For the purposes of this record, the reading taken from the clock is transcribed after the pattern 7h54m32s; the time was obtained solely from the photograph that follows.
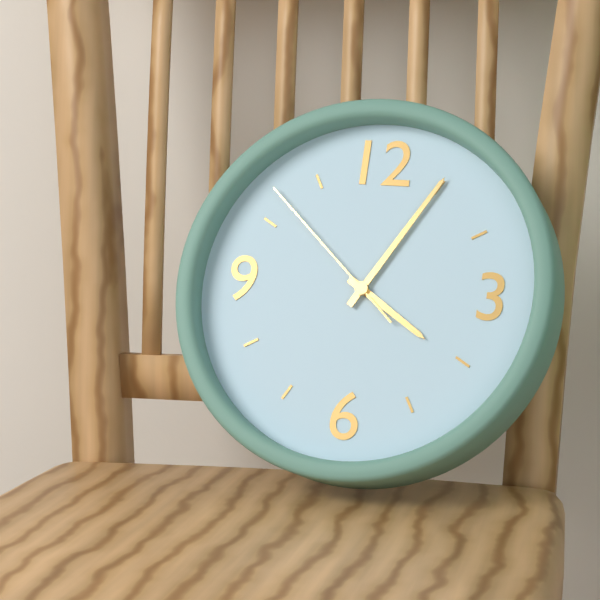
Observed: 4h05m52s
